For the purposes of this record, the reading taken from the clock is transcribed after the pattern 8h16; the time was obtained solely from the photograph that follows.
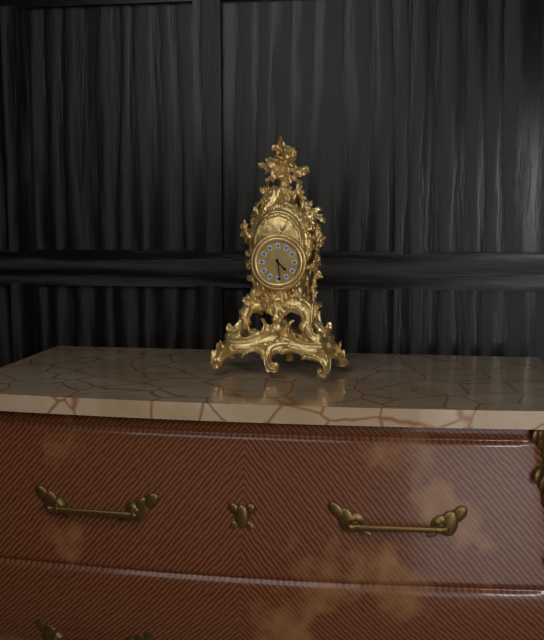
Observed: 4h29
